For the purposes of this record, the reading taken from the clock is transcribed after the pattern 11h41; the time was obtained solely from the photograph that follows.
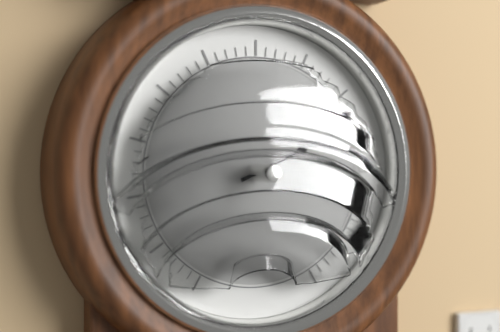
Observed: 2h11
